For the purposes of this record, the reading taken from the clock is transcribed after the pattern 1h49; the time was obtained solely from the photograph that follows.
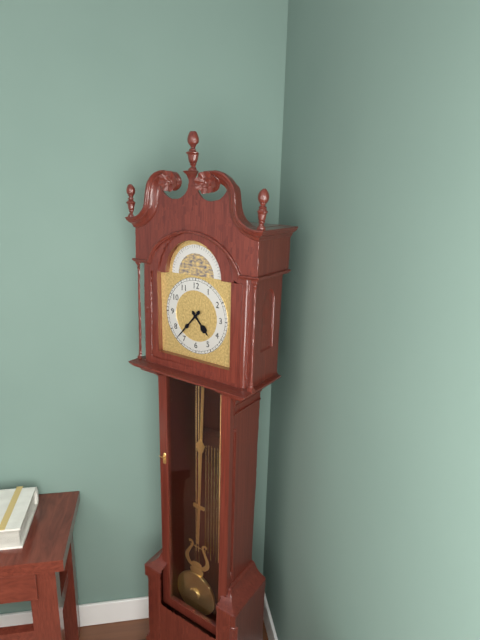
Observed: 4h37
